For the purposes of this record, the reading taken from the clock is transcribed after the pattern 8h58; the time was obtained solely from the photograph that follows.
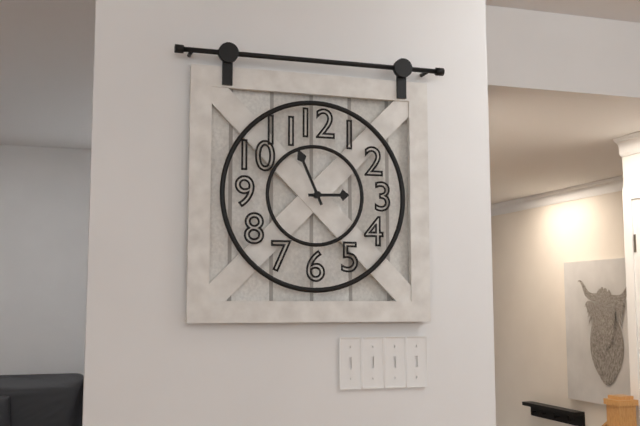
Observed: 2h56
